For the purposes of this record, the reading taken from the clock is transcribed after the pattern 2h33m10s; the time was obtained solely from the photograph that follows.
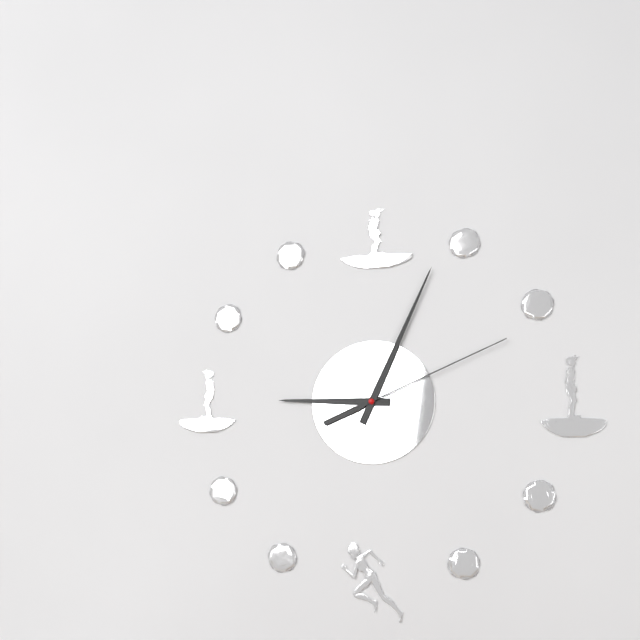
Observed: 9h04m11s
